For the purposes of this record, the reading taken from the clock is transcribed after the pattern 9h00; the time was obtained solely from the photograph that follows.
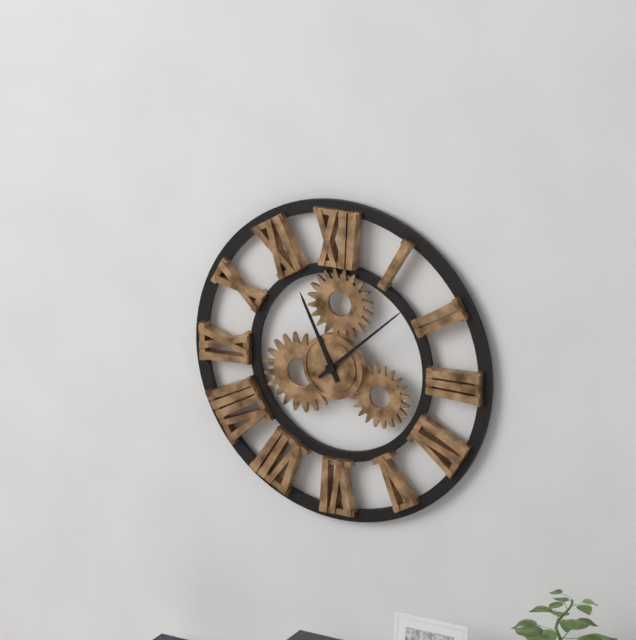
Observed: 11h08
